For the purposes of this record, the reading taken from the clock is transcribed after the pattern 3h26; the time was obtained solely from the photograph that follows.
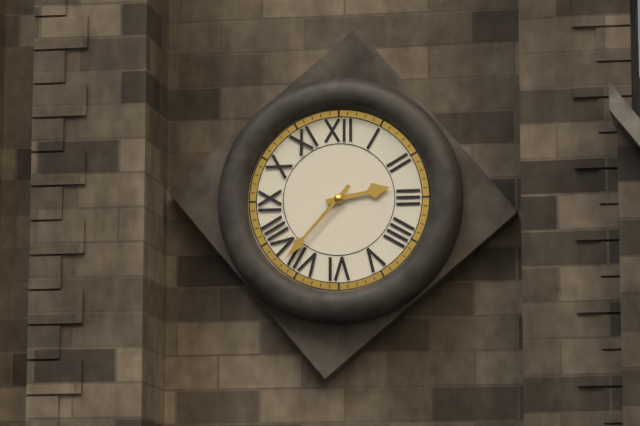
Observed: 2h37
